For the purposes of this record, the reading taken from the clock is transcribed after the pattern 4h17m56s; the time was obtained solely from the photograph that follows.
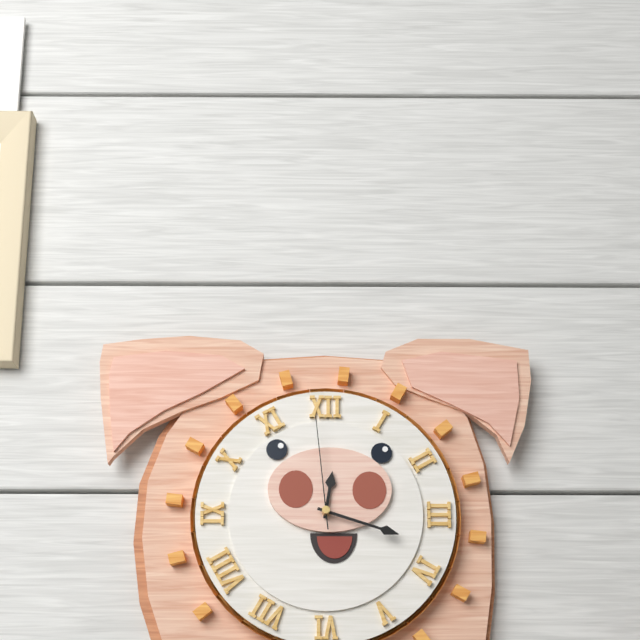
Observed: 12h18m59s
